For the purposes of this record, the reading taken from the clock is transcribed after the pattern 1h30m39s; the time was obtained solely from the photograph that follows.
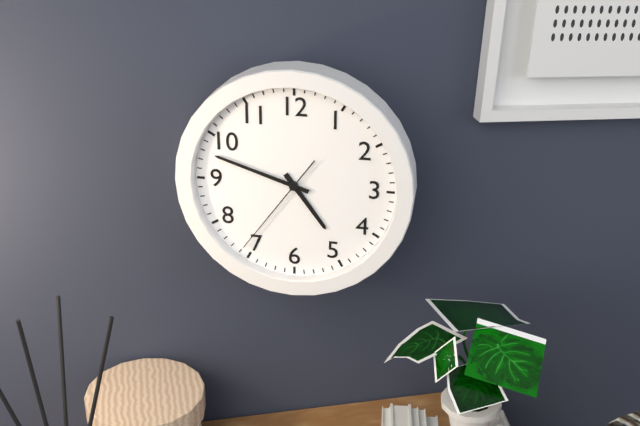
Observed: 4h48m36s
